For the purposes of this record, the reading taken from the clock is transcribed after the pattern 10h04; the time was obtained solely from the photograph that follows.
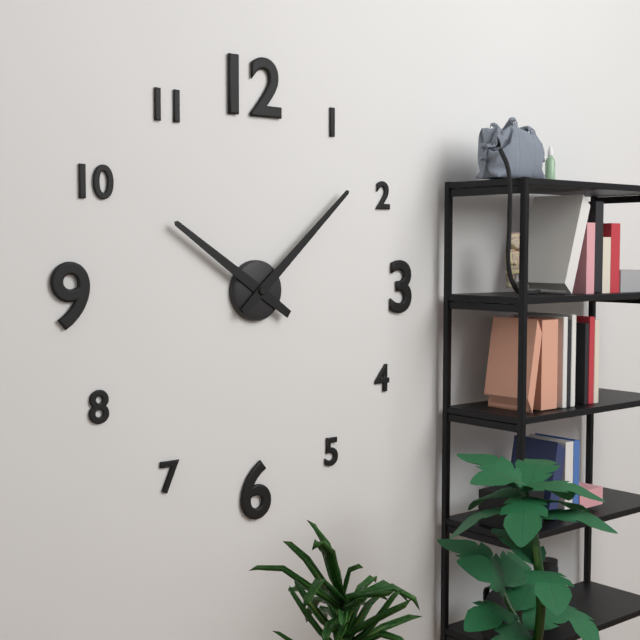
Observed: 10h08
